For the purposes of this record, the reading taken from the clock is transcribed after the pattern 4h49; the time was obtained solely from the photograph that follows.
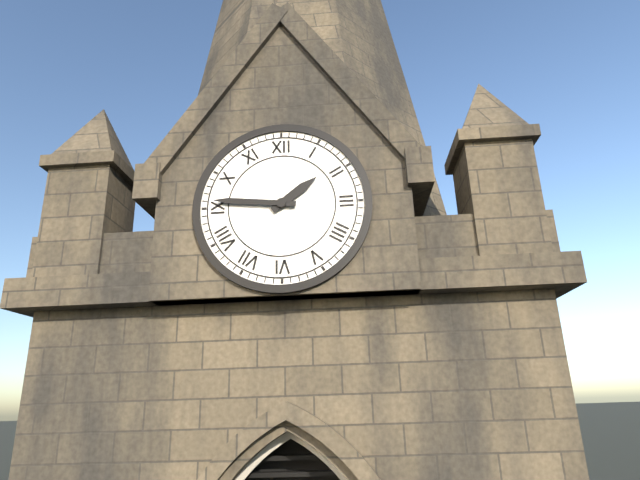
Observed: 1h46
